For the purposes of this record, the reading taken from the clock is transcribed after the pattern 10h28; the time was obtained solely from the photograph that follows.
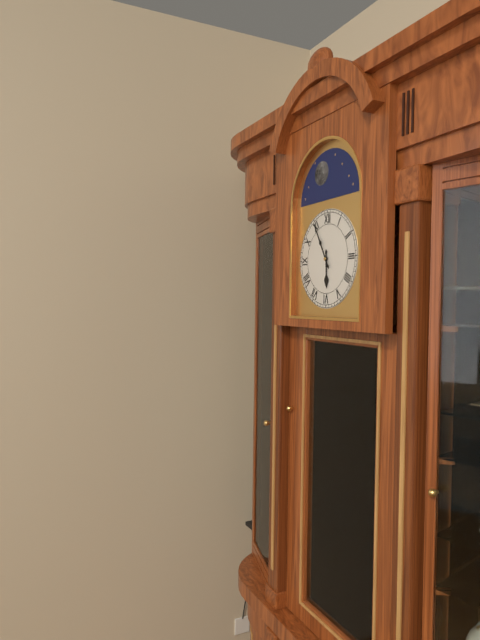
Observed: 5h55
